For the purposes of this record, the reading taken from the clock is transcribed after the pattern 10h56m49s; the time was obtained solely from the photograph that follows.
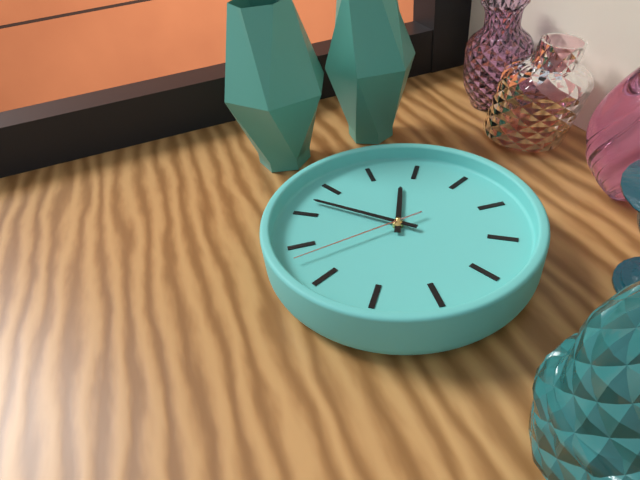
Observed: 10h42m33s
